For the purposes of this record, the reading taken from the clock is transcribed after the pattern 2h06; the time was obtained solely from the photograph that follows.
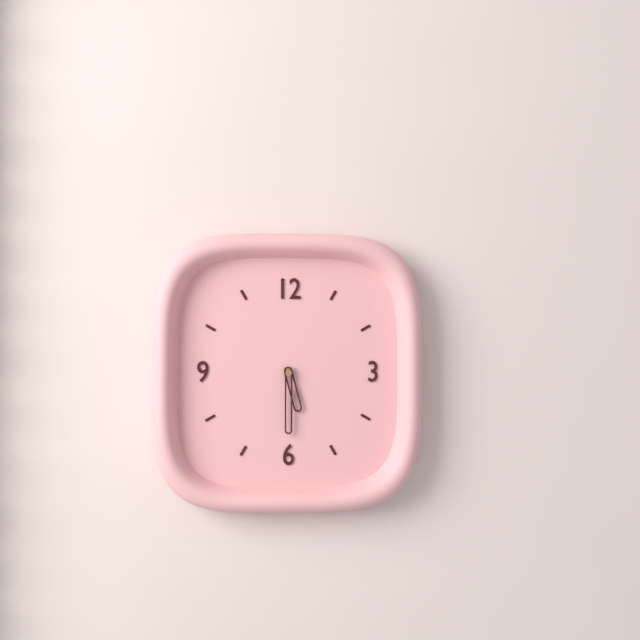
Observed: 5h30
